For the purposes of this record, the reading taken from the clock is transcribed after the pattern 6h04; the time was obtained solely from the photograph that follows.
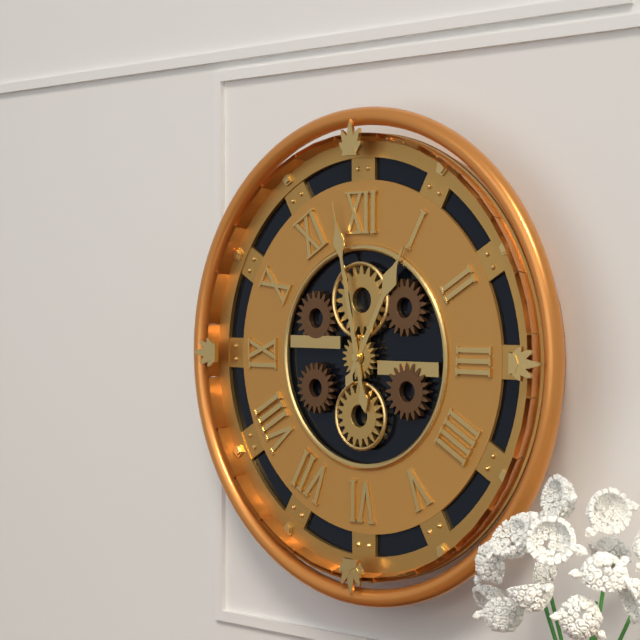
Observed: 12h58
